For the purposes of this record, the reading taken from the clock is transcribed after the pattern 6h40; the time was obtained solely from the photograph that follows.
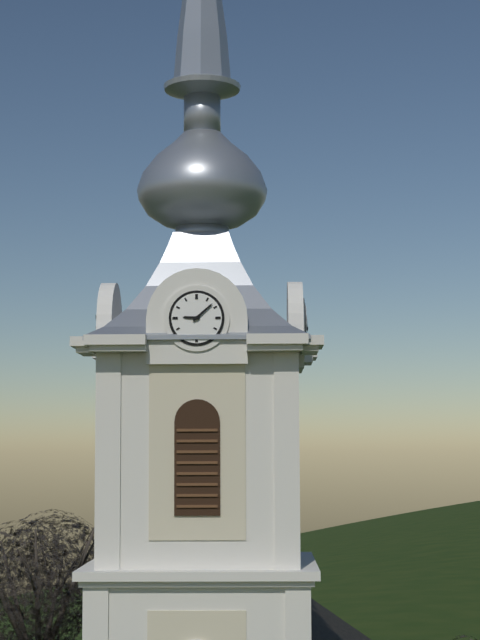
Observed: 9h08
